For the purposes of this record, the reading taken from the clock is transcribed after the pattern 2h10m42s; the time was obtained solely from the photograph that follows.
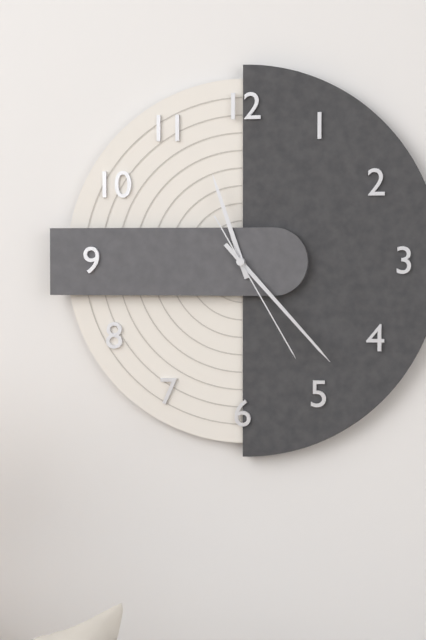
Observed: 11h23m25s
